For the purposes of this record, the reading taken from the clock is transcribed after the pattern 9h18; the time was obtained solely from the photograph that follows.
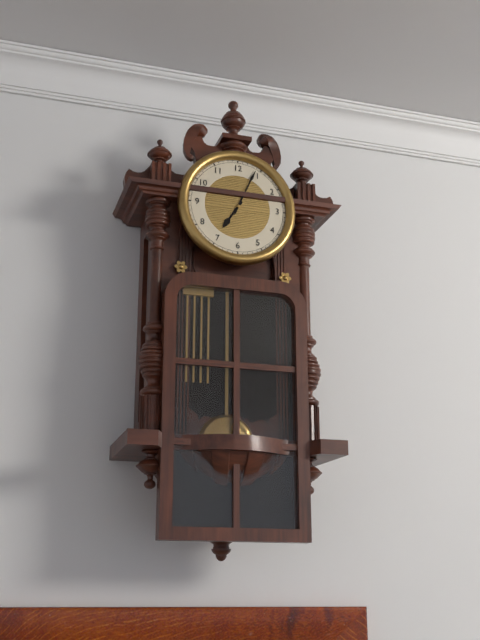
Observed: 7h04
